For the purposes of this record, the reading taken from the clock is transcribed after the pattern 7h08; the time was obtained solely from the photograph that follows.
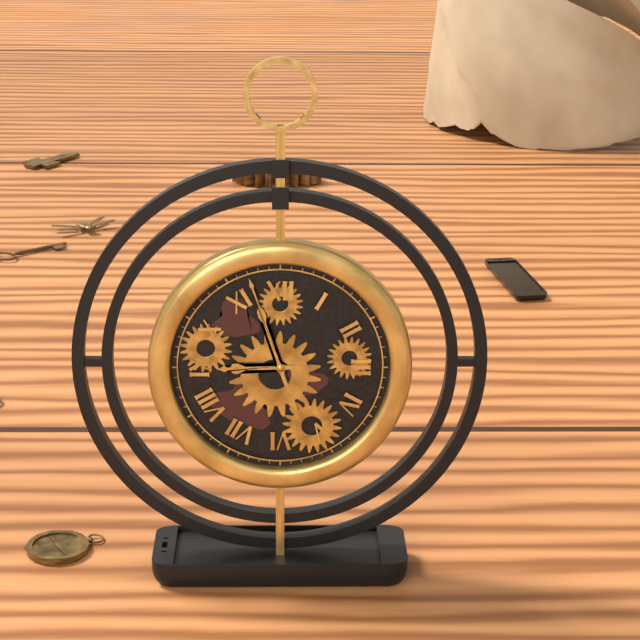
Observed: 8h57
